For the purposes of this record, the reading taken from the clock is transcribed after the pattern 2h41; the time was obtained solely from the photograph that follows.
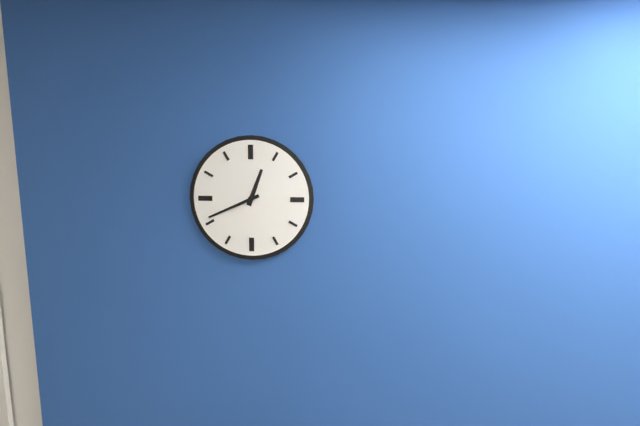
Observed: 12h41
